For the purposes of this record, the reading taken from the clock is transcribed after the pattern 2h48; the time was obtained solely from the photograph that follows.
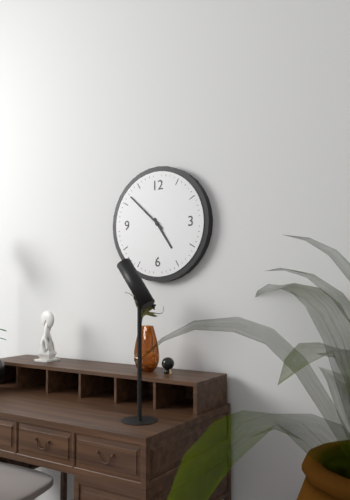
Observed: 4h52
